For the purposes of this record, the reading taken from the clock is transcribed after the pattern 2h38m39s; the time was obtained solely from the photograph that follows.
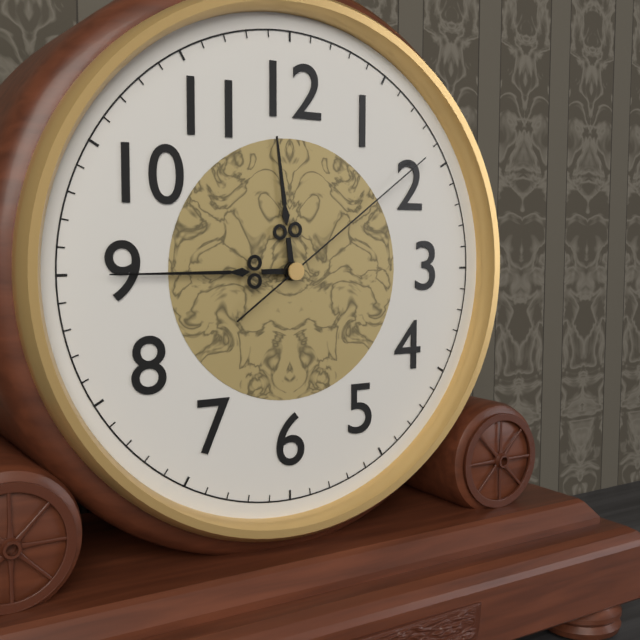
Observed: 11h45m09s
